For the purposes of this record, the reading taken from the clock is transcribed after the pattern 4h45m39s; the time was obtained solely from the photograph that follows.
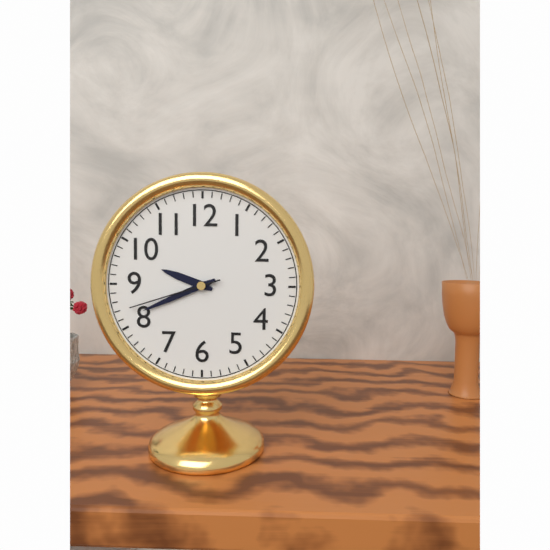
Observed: 9h41m42s
